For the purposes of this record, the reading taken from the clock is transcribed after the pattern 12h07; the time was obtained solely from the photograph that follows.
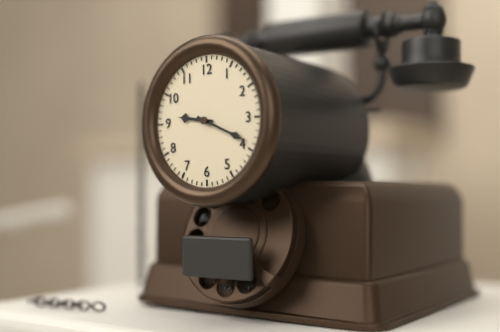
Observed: 9h19
